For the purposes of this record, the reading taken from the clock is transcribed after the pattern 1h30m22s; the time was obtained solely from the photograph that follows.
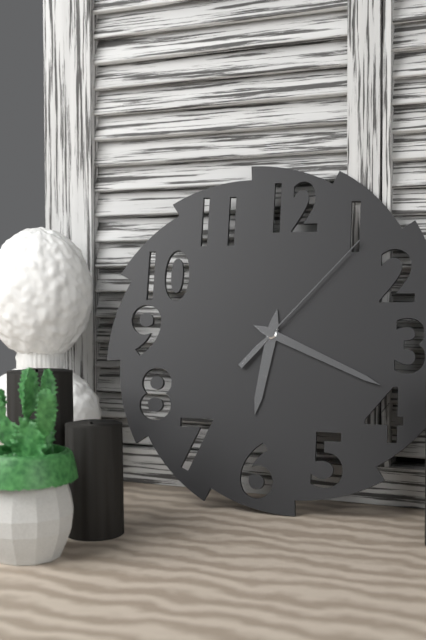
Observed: 6h19m07s
